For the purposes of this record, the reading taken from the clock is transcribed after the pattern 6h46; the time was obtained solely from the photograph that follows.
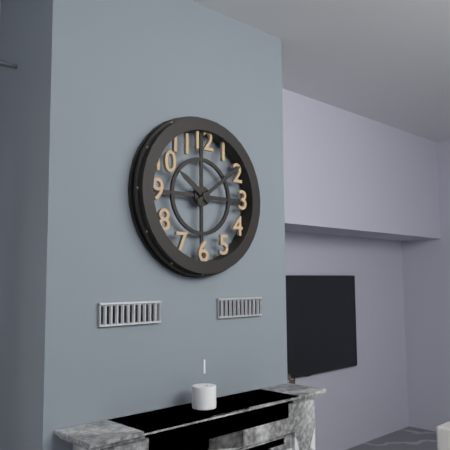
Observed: 10h09
